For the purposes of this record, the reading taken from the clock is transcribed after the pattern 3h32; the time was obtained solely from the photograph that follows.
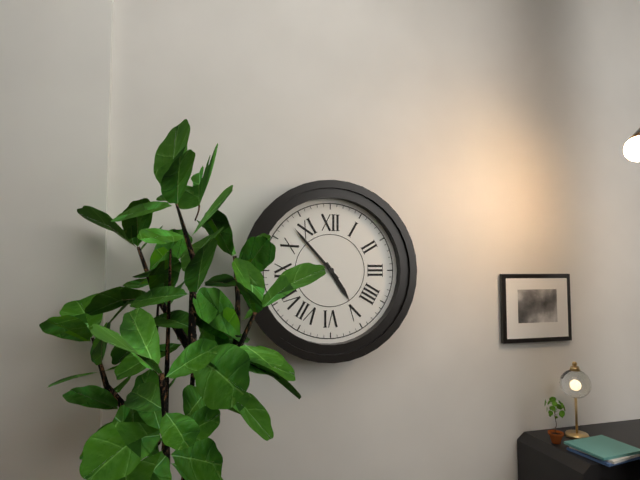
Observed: 4h53
